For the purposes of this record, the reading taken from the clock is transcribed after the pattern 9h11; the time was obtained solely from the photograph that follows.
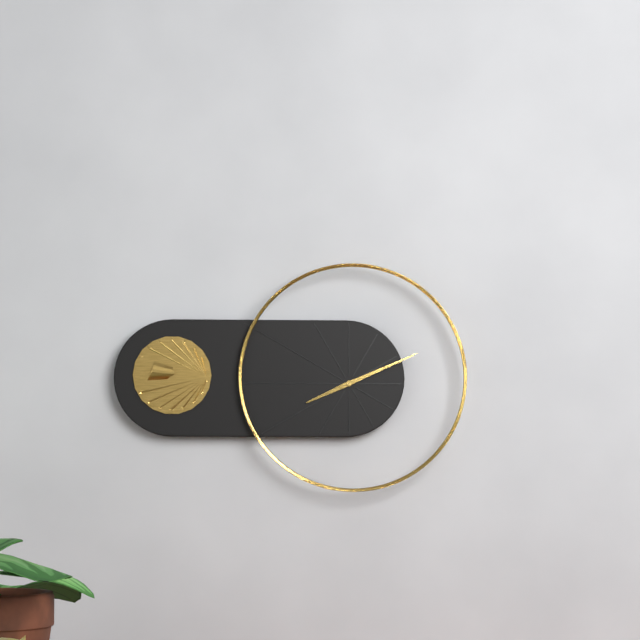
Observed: 8h11
